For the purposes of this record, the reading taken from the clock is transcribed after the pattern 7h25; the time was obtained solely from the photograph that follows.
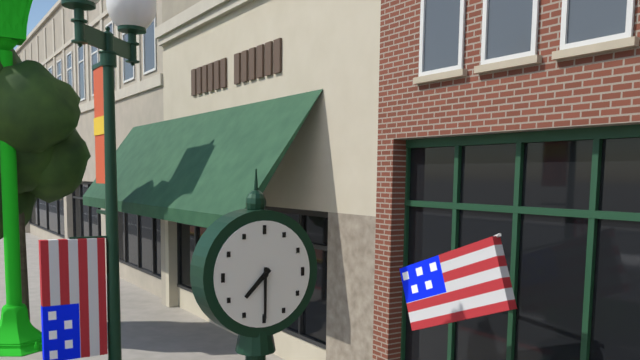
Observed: 7h30
